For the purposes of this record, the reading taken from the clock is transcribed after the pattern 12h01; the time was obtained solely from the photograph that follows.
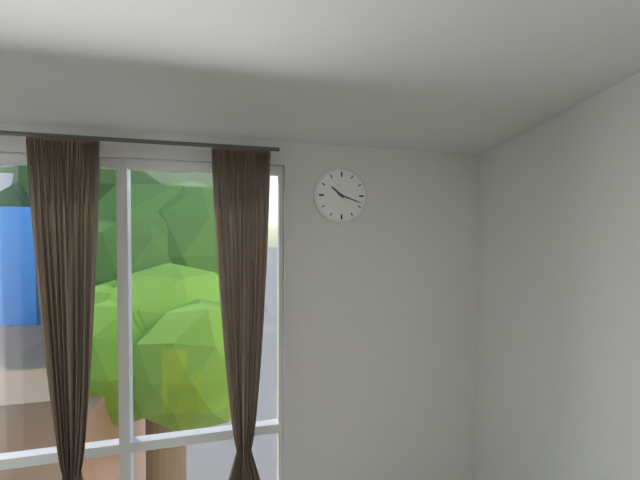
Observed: 10h18
